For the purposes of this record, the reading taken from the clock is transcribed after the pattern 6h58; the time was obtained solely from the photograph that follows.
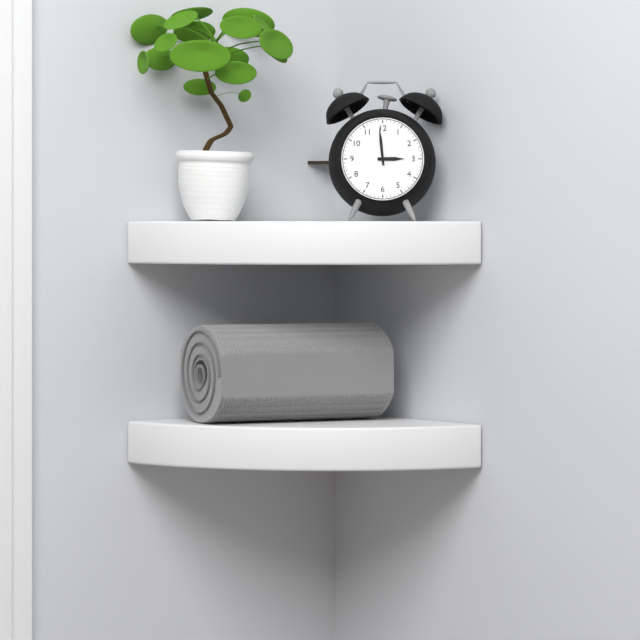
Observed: 2h59
